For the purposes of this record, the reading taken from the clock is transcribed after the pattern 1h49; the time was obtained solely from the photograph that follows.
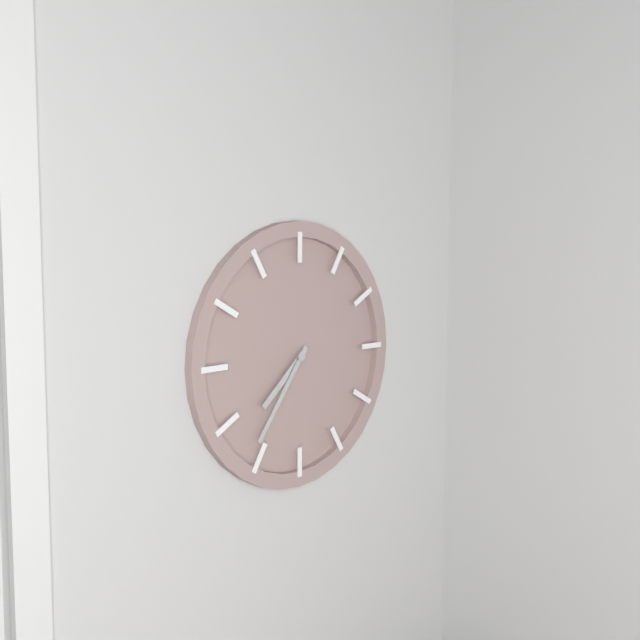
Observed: 7h36
